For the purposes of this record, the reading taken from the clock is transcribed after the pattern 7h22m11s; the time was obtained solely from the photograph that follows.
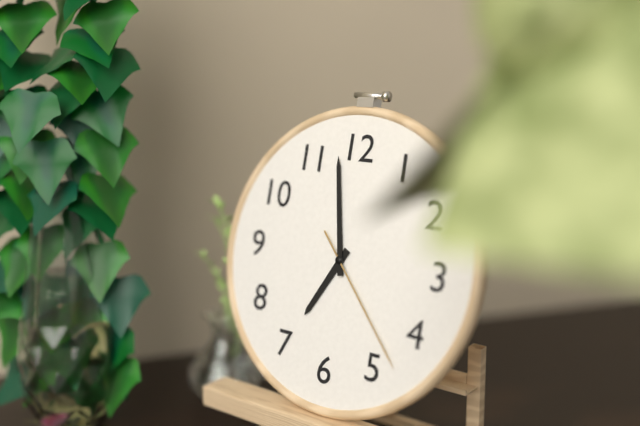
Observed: 6h58m23s
